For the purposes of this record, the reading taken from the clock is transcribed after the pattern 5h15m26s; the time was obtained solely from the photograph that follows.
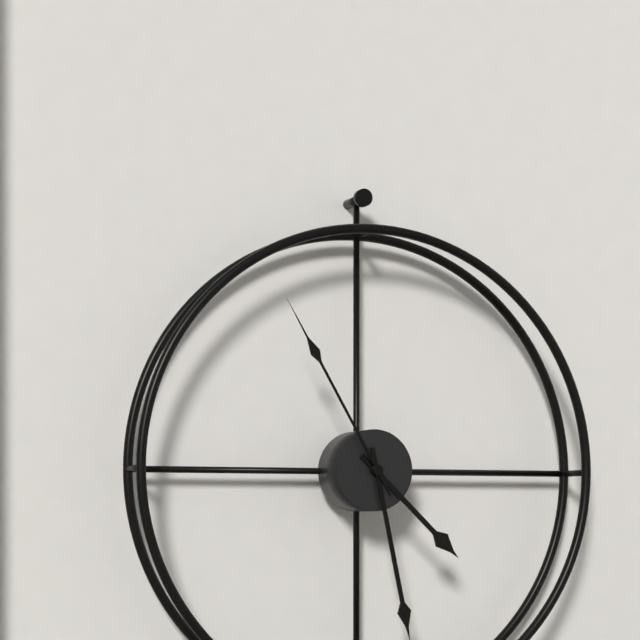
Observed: 4h28m55s
